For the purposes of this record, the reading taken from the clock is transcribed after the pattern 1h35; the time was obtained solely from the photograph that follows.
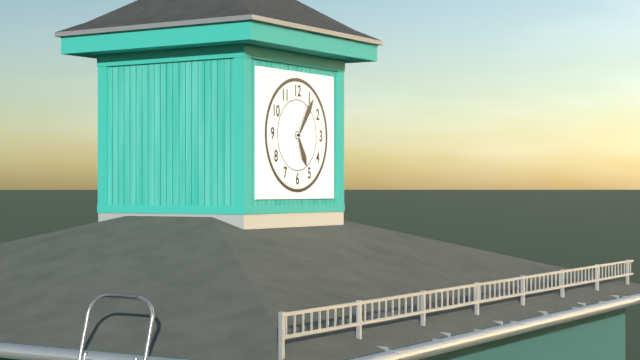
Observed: 5h06
